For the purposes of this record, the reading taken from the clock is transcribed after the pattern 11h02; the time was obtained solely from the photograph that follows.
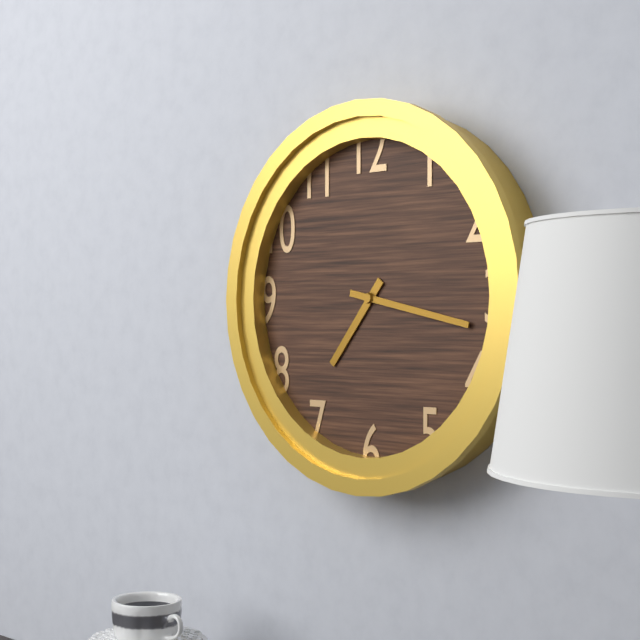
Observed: 7h17
